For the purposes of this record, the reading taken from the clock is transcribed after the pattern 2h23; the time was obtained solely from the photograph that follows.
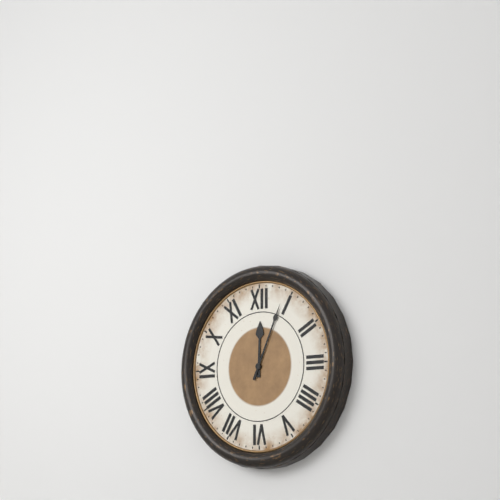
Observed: 12h04
